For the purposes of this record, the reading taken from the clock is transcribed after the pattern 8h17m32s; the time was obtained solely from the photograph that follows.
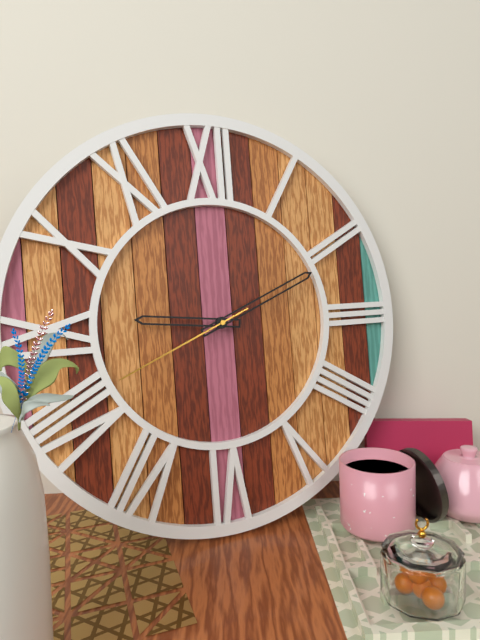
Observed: 9h11m41s
